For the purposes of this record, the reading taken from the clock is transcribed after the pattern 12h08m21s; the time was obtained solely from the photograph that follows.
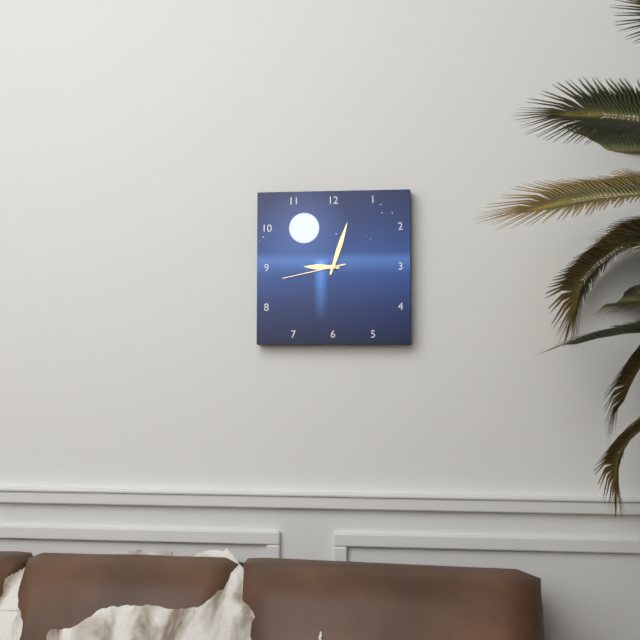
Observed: 9h03m43s
